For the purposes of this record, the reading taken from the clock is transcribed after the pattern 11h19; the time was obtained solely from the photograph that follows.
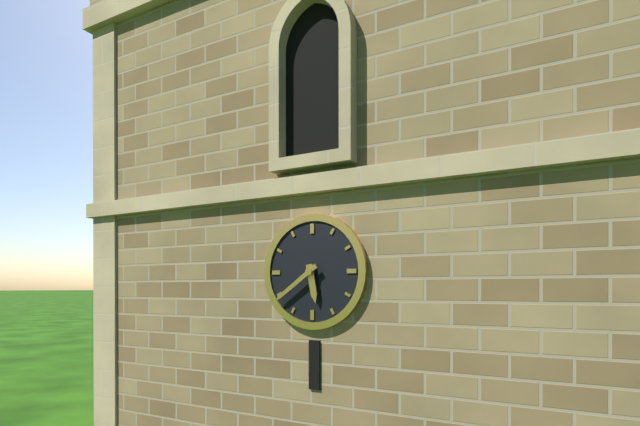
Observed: 5h39
